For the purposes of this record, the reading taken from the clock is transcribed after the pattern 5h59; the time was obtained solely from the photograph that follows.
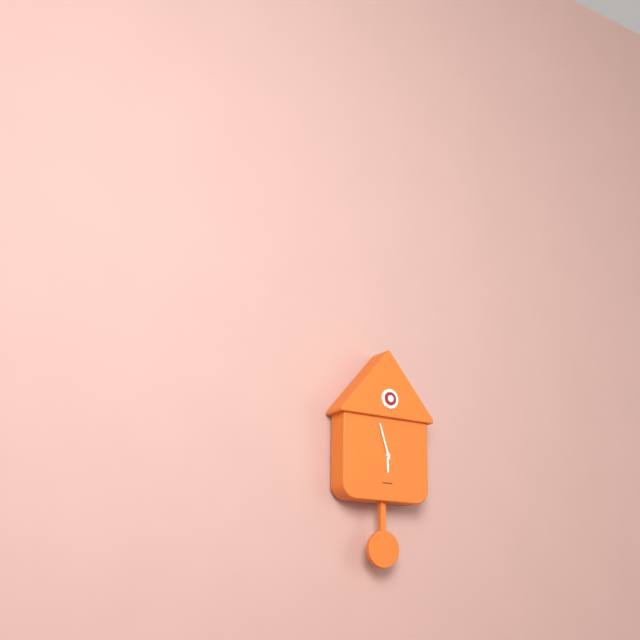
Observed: 5h57
